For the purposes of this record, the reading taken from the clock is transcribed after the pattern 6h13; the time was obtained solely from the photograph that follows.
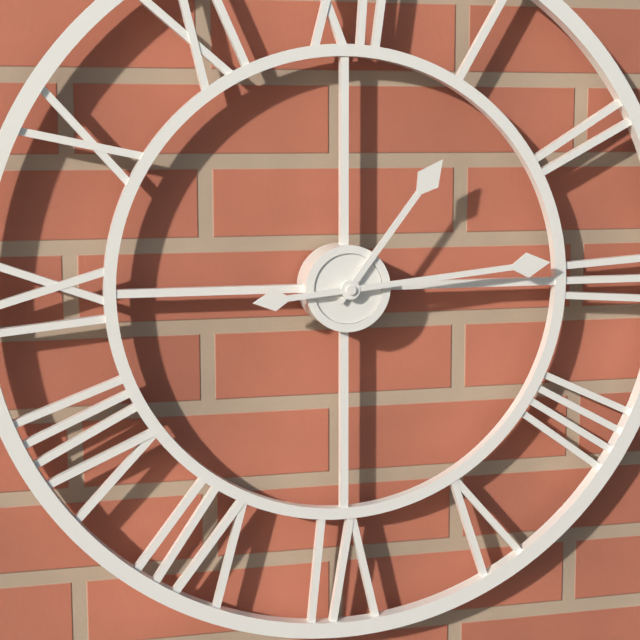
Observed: 1h14
